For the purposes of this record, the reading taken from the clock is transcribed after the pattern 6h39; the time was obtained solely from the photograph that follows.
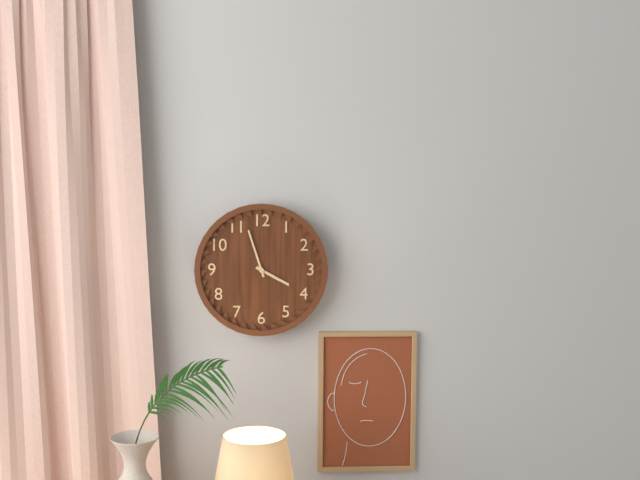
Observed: 3h57
